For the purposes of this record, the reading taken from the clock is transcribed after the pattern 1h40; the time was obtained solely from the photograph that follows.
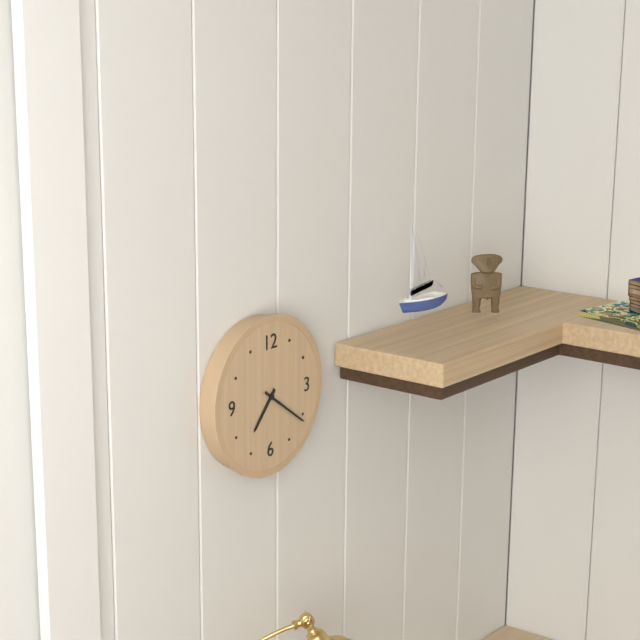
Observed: 7h21
